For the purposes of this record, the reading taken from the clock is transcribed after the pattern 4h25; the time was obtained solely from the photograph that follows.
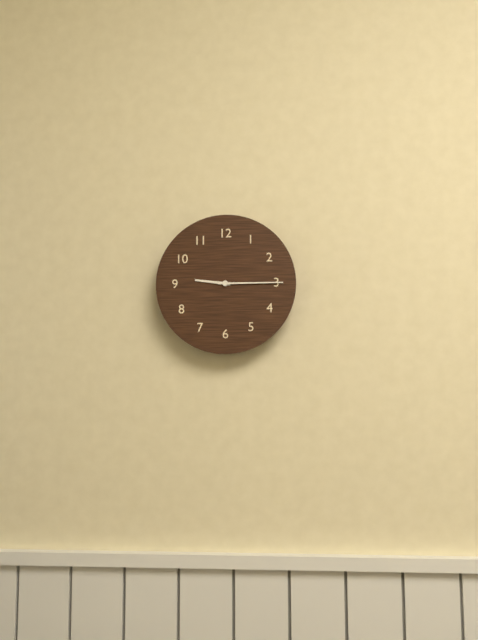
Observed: 9h15
